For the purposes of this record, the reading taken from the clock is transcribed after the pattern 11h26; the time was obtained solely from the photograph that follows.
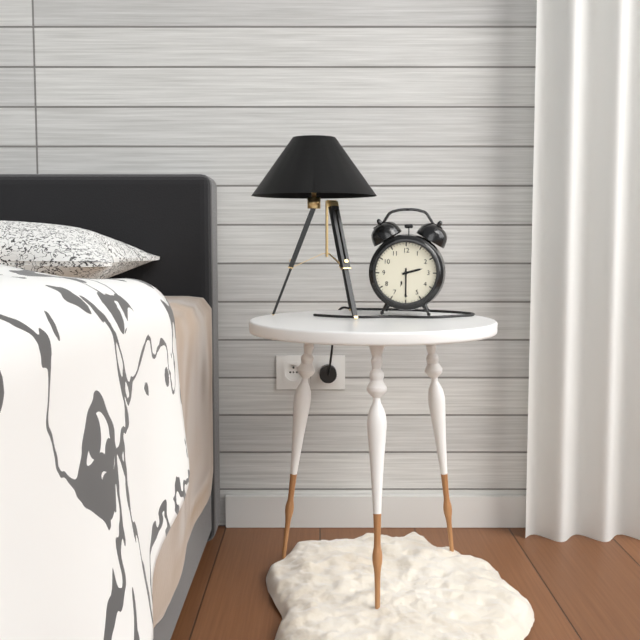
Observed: 2h30
